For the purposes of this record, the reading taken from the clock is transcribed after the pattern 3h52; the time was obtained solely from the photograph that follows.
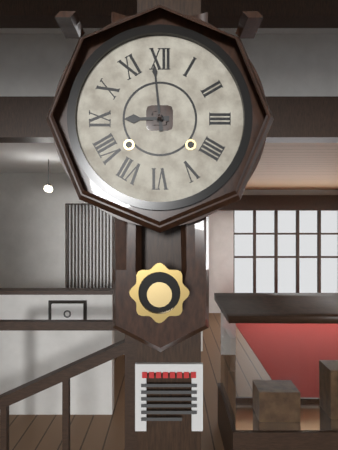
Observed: 8h59
